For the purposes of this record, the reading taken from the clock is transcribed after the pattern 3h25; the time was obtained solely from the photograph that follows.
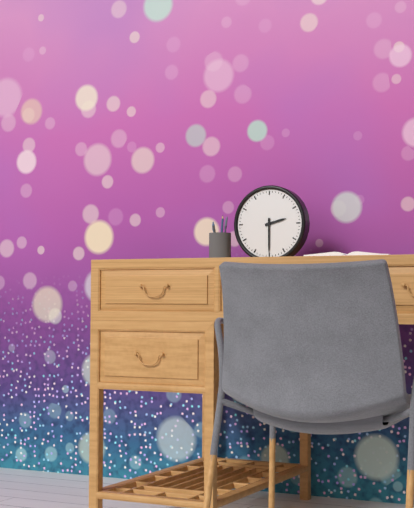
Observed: 2h30
